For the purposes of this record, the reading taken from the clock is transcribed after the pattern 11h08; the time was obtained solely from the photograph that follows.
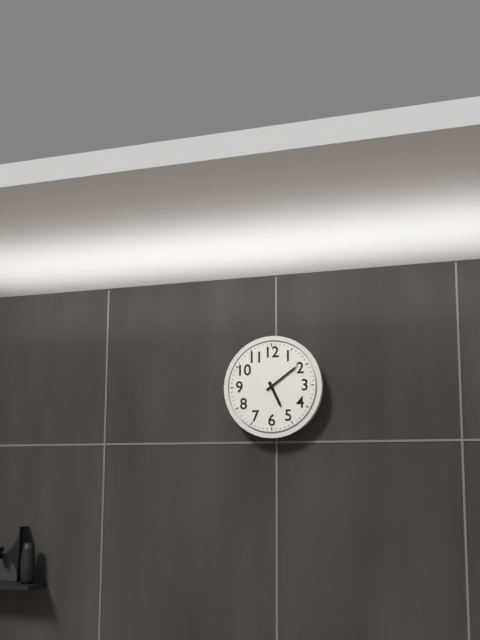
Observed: 5h09
